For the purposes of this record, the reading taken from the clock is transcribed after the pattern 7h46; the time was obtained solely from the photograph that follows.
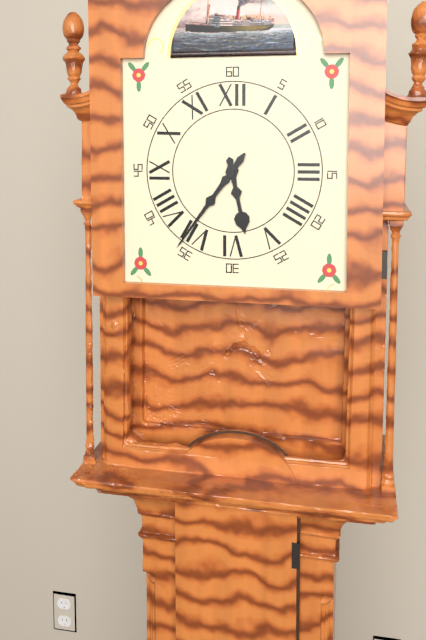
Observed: 5h36
